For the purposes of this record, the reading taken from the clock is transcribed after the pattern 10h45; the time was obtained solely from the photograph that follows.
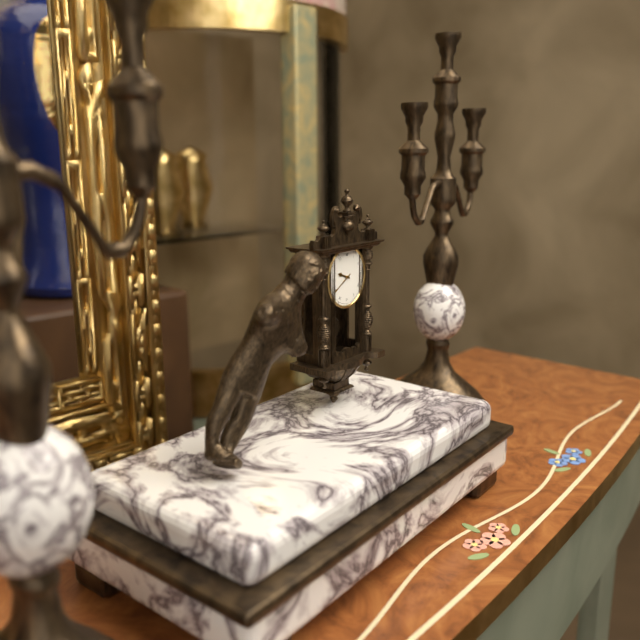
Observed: 9h40
